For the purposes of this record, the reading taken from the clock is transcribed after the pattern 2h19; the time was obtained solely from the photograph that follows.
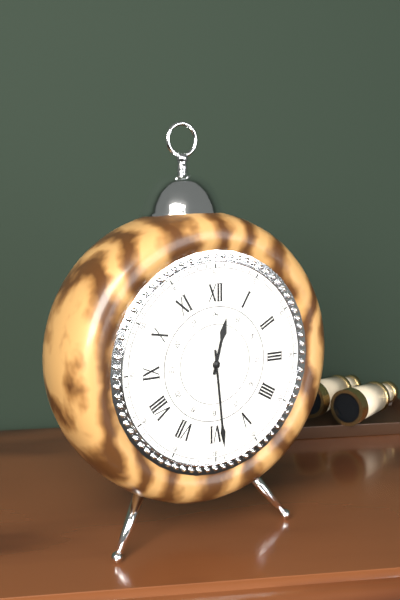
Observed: 12h29
